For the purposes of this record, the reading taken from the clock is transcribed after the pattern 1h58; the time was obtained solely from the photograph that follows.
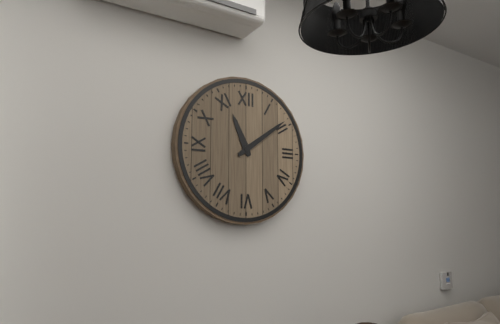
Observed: 11h09
